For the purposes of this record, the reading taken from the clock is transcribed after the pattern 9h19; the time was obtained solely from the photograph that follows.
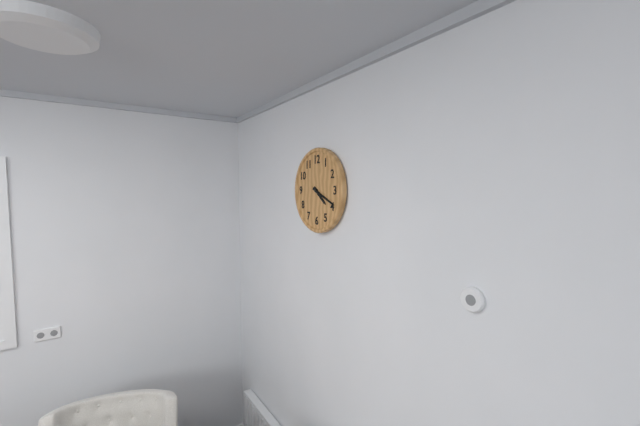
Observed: 4h19
